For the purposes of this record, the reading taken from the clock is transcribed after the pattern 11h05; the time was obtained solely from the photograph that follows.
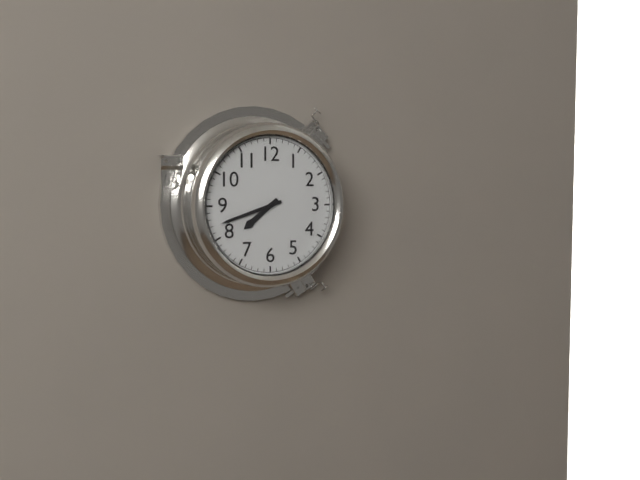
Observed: 7h42
